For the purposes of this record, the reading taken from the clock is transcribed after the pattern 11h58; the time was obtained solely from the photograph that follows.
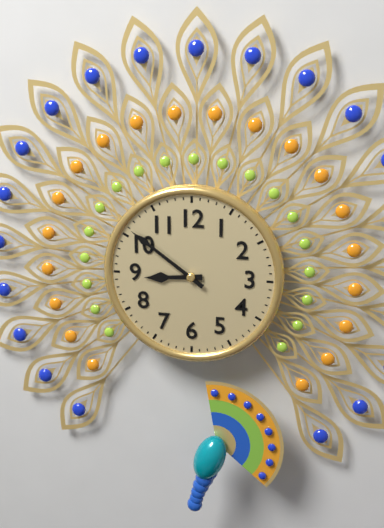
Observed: 8h51
